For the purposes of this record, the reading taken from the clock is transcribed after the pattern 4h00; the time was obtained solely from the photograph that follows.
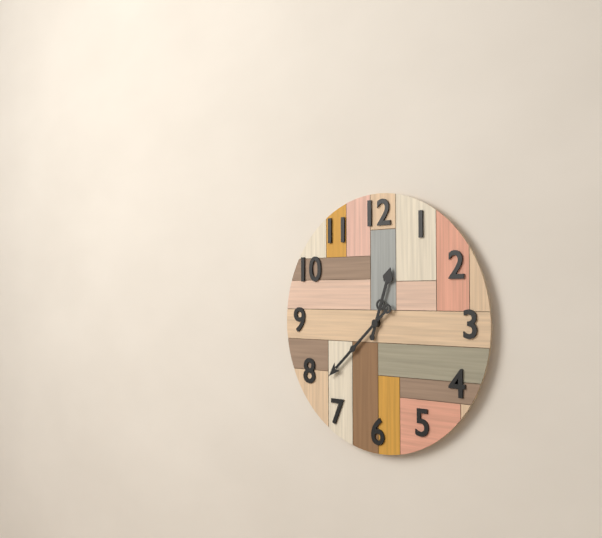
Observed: 12h38
